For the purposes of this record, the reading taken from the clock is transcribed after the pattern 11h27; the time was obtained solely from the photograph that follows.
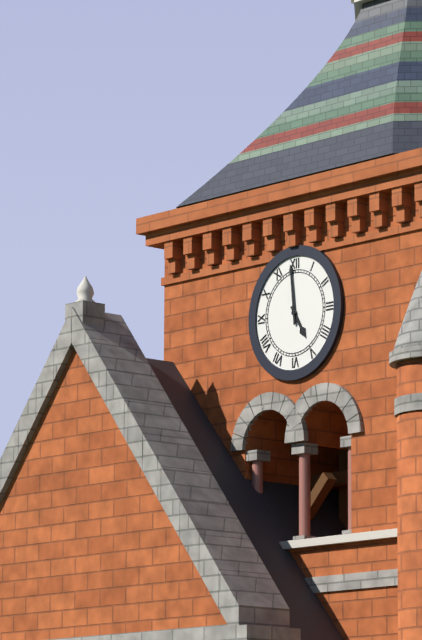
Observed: 4h59
